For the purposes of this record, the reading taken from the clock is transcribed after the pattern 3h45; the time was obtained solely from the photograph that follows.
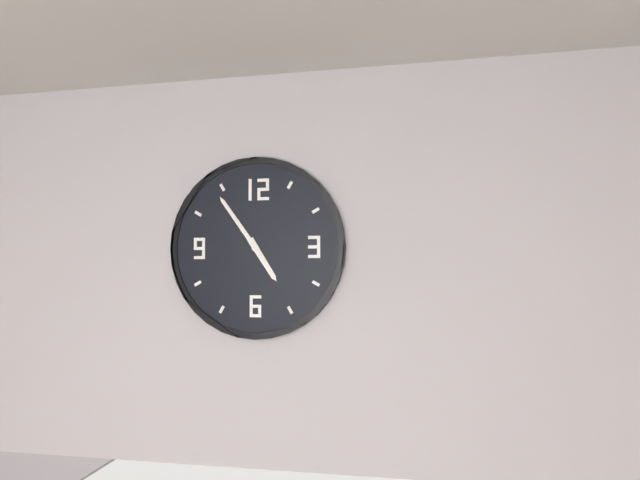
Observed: 4h54
